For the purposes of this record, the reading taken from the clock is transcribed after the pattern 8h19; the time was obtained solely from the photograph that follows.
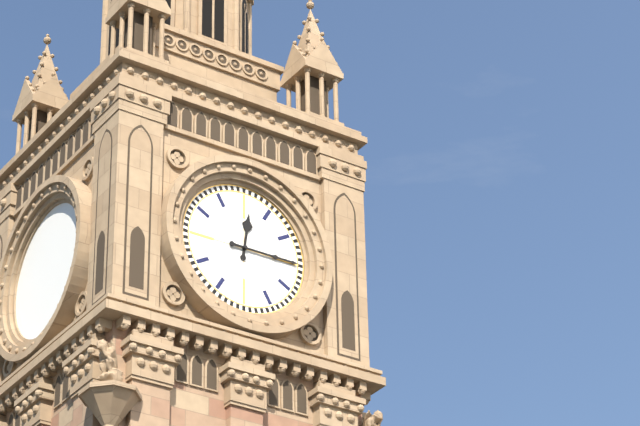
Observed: 12h15
